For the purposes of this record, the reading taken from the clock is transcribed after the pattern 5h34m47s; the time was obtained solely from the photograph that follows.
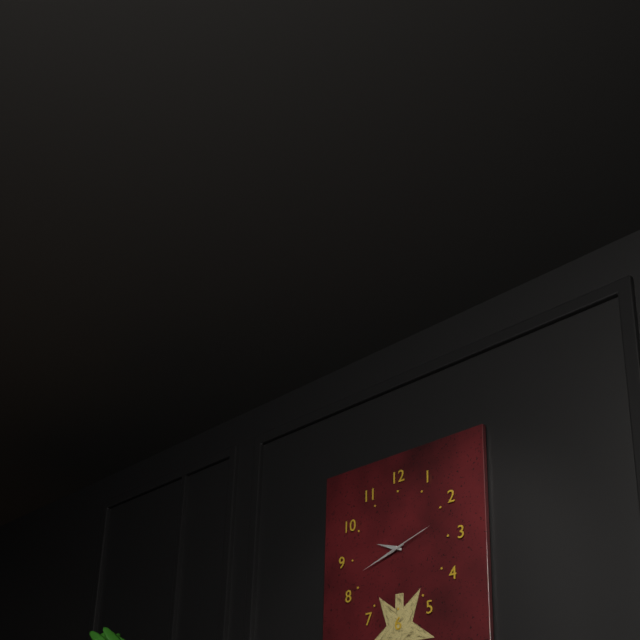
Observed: 9h42m12s
